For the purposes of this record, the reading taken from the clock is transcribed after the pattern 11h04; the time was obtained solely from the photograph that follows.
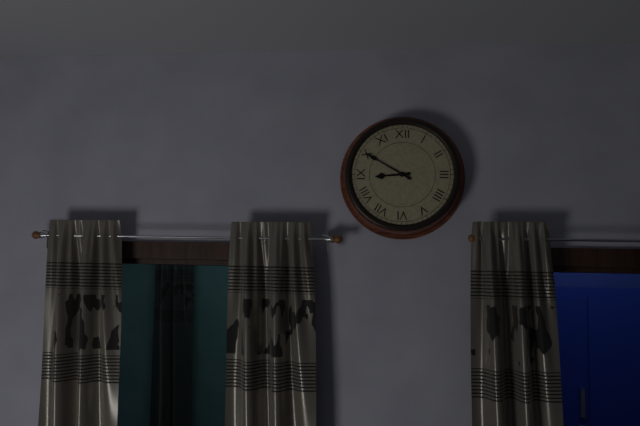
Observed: 8h50
